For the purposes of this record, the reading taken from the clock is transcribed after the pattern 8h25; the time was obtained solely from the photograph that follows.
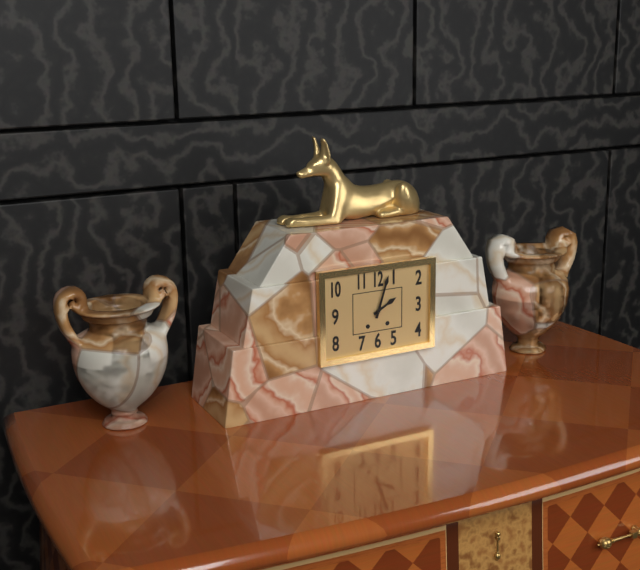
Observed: 2h03
